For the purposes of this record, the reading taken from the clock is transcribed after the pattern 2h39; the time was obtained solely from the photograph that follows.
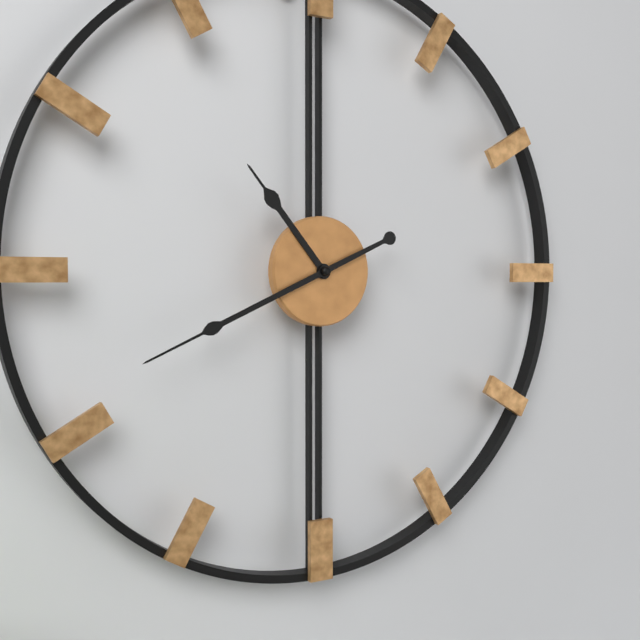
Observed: 10h41
